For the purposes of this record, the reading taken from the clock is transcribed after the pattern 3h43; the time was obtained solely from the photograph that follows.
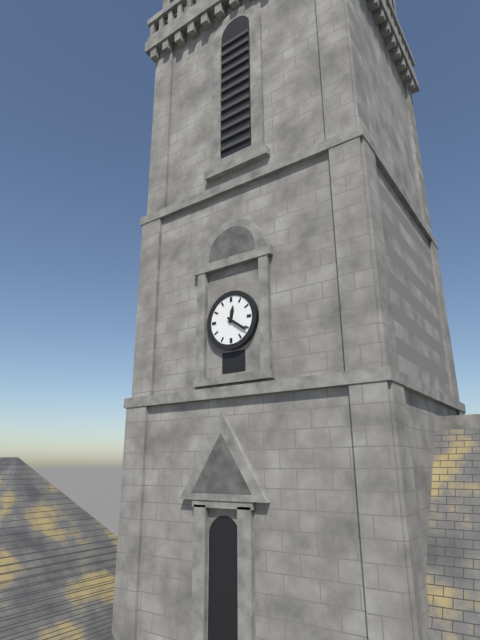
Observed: 12h21
